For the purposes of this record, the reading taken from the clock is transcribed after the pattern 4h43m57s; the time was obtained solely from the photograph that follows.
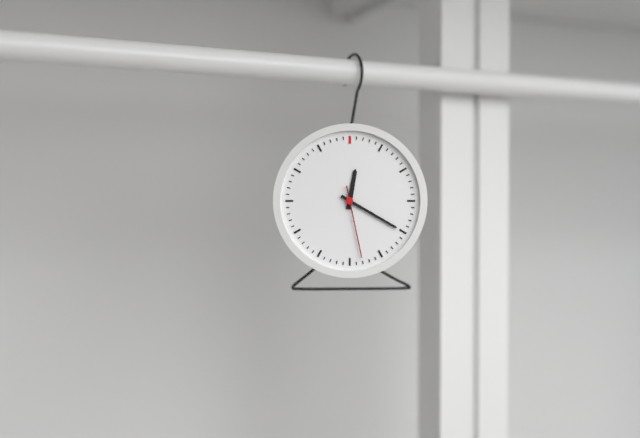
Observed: 12h20m28s
